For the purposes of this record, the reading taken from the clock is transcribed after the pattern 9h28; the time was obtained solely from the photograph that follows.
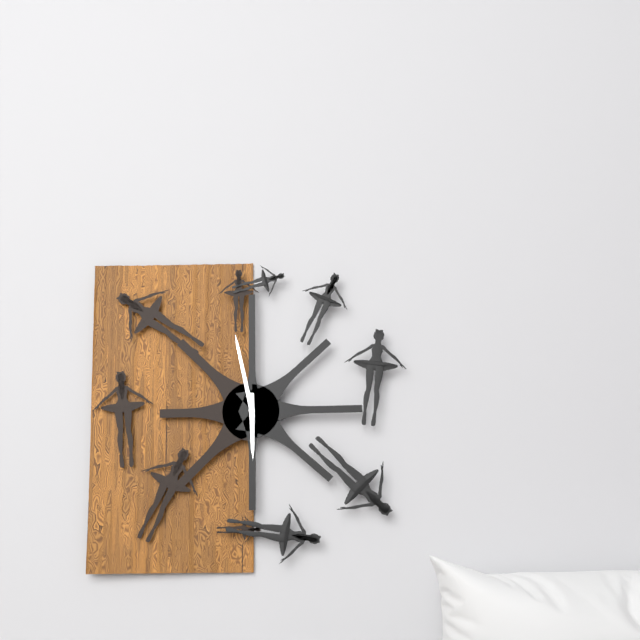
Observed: 5h58
